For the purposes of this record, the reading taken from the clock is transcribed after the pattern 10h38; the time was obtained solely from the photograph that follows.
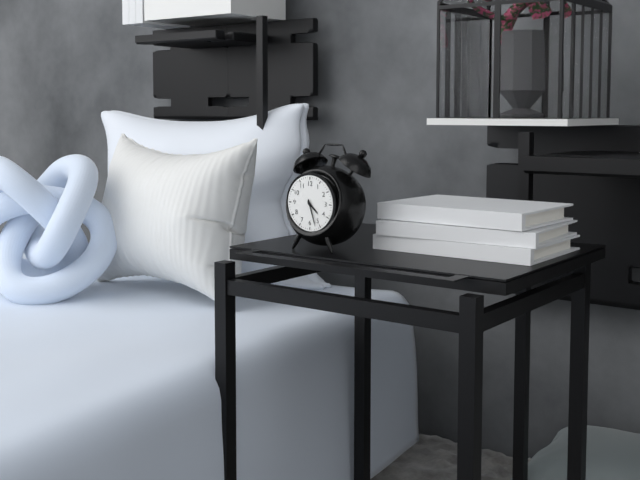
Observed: 4h27
